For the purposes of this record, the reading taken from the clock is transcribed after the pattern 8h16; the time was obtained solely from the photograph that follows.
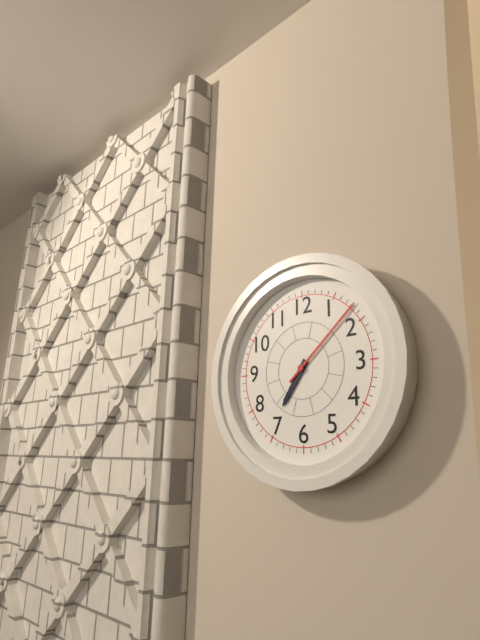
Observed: 7h08
